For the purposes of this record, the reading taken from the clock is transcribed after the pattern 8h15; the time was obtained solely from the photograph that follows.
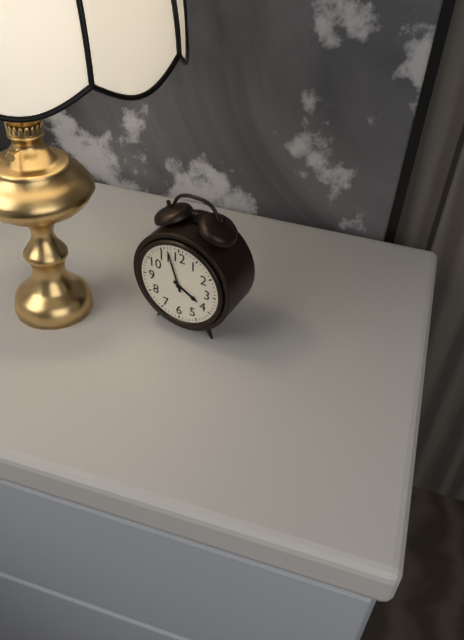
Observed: 3h57
